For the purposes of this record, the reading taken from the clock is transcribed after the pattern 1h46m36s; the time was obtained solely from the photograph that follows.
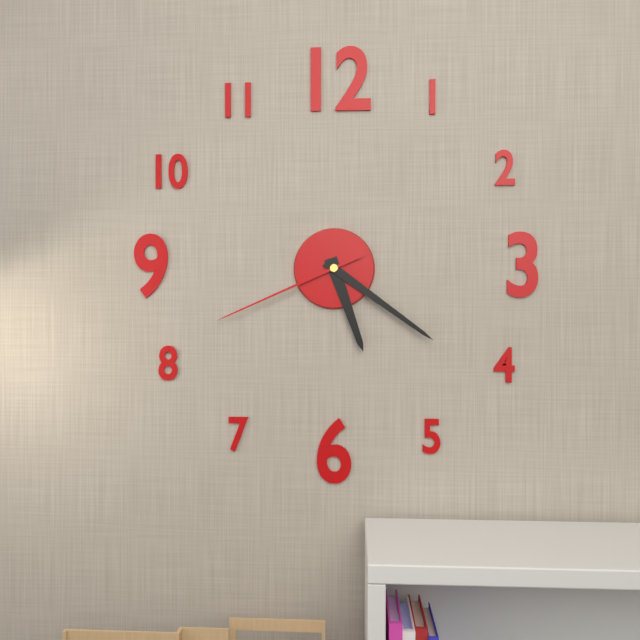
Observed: 5h21m41s
